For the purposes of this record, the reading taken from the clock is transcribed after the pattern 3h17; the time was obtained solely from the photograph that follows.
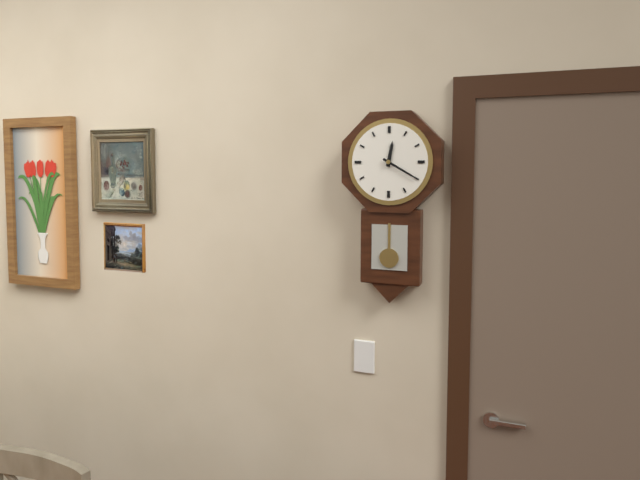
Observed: 12h20
